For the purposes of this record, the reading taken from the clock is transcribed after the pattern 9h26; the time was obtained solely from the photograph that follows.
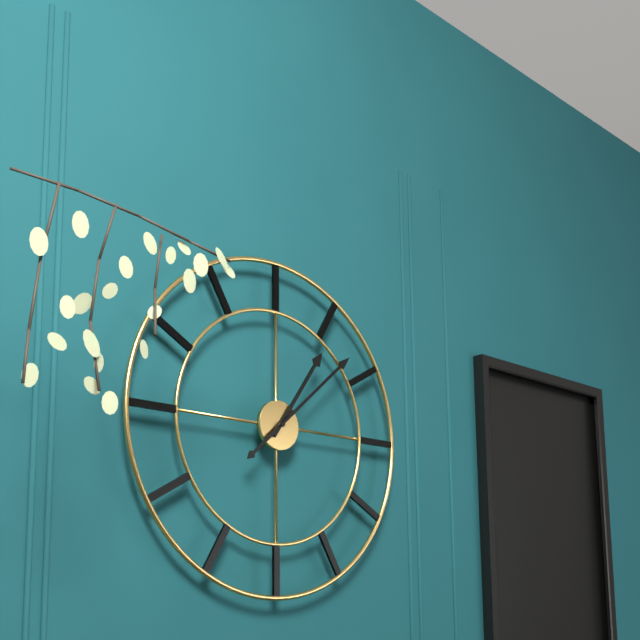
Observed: 1h08
